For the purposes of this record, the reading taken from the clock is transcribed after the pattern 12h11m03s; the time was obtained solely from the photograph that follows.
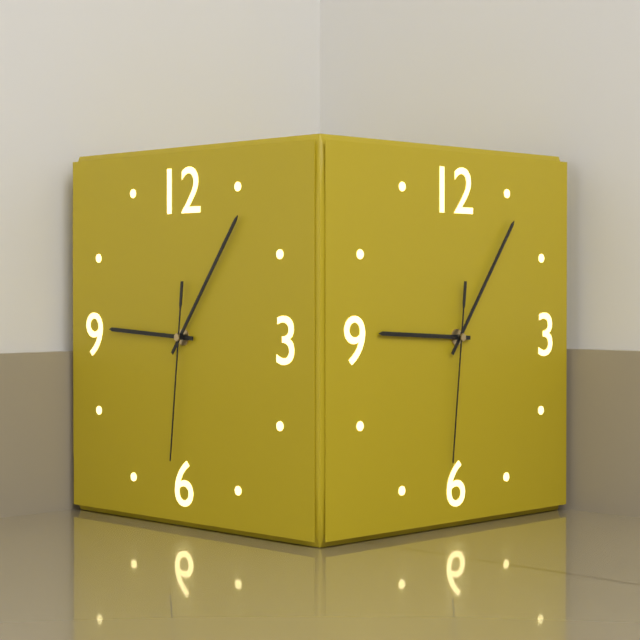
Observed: 9h06m31s
